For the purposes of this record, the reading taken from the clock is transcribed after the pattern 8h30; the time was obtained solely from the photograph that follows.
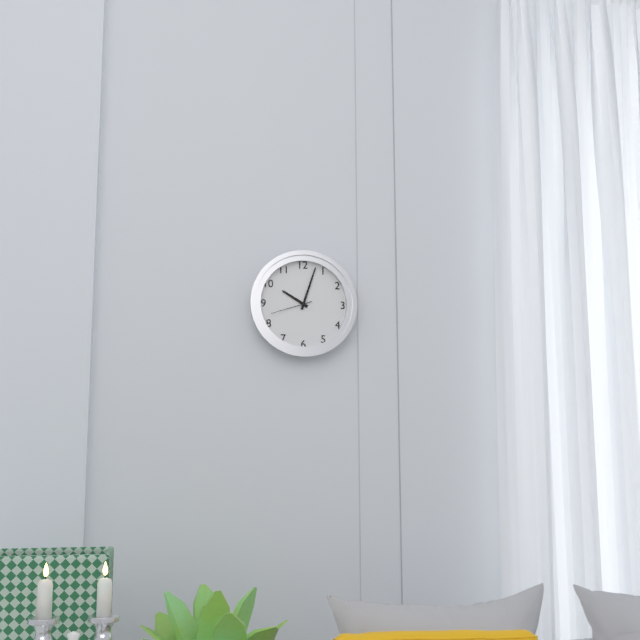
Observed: 10h03
